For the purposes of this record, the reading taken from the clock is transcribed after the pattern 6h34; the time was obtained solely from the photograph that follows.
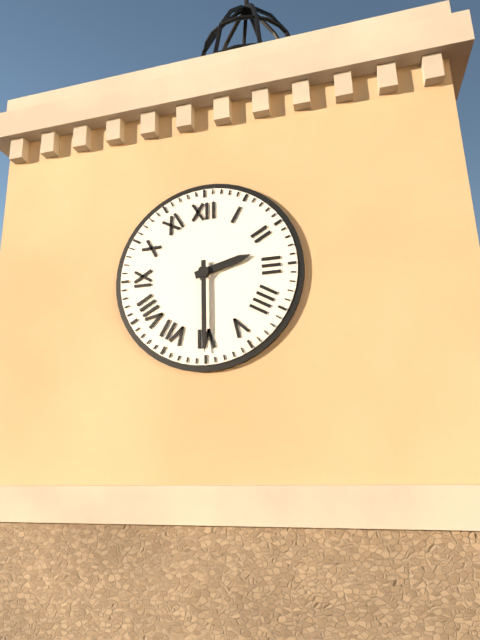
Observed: 2h30
